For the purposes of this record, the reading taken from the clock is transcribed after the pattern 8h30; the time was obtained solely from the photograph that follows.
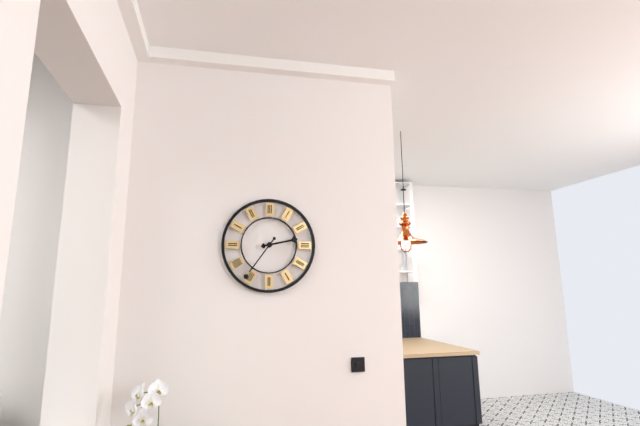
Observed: 2h36
